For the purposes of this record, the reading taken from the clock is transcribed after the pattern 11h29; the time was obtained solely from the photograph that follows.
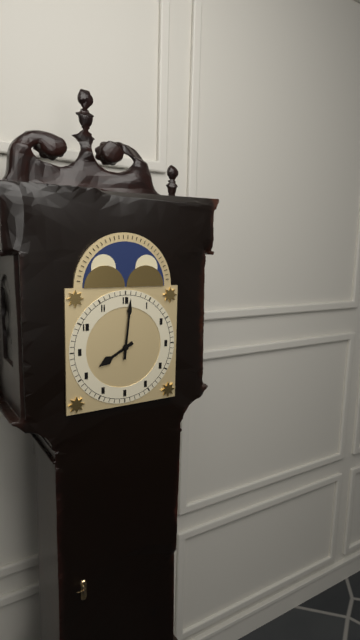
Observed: 8h01
